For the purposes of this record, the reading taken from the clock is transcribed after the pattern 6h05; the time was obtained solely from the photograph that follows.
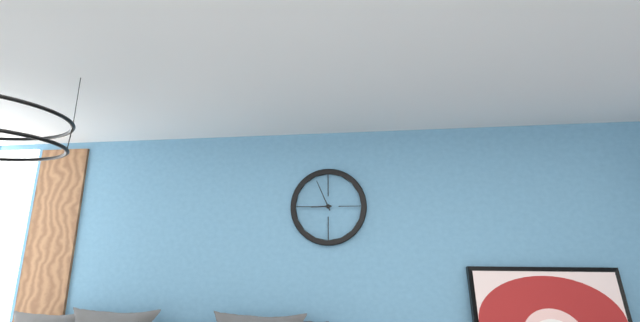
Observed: 8h56
